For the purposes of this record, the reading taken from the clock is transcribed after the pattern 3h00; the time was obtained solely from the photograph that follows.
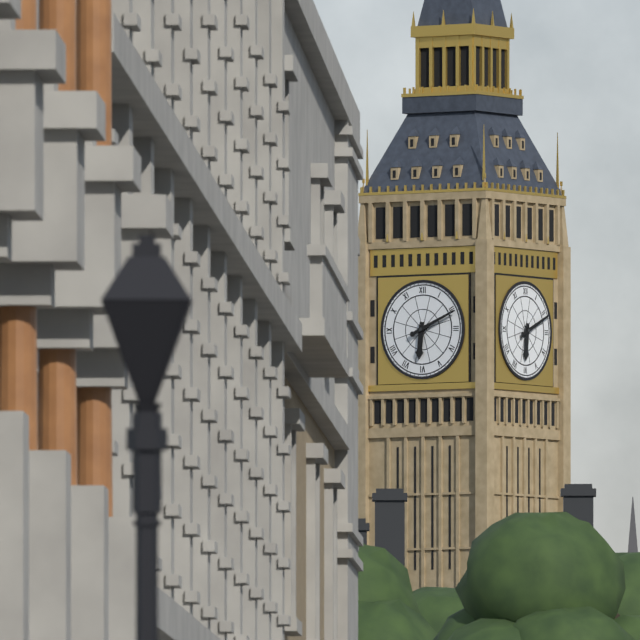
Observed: 6h11
